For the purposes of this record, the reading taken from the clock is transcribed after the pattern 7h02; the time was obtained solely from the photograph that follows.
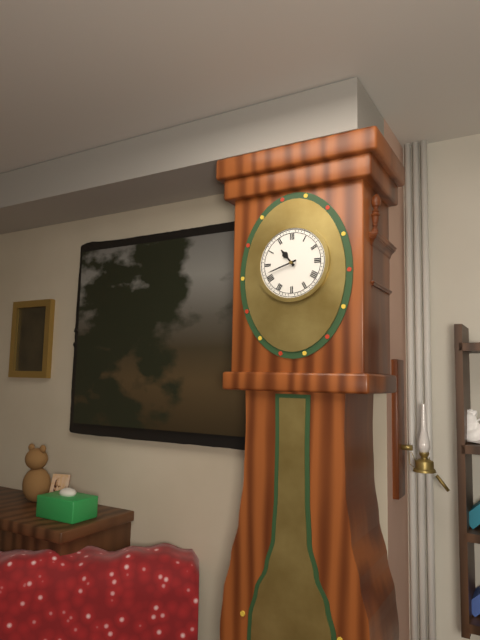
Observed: 10h42
